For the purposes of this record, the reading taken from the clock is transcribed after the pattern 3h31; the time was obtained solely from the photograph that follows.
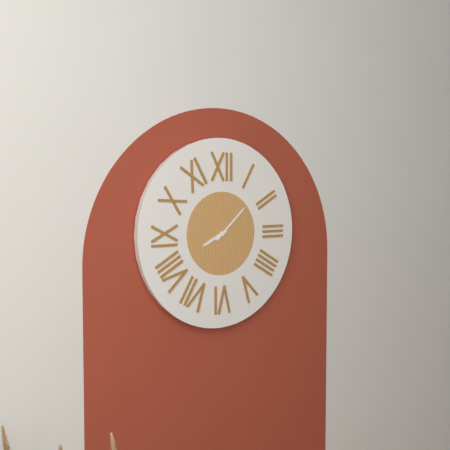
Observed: 8h08
